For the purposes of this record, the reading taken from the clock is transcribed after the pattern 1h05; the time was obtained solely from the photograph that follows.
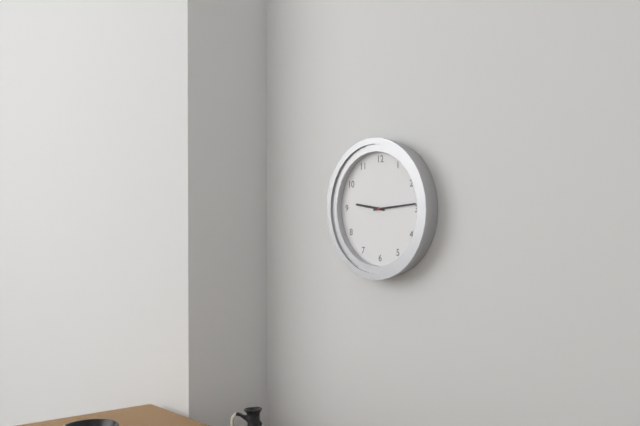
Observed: 9h14
